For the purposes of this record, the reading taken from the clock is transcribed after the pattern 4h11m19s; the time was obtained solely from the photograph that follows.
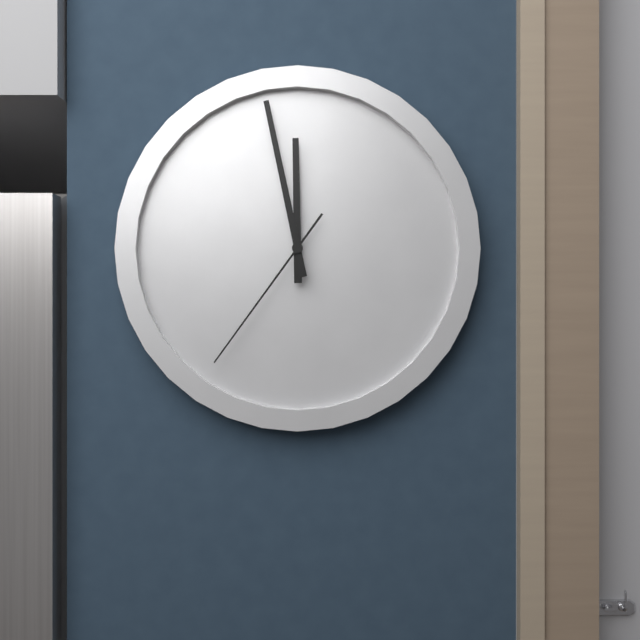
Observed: 11h58m36s
